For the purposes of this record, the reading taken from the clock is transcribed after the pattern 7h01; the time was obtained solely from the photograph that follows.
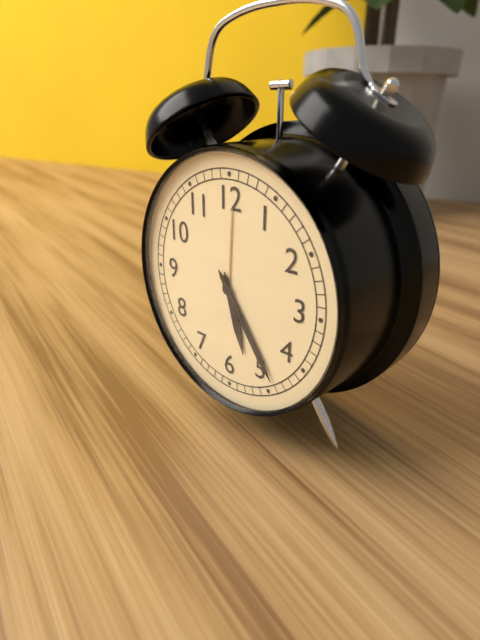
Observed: 5h24
